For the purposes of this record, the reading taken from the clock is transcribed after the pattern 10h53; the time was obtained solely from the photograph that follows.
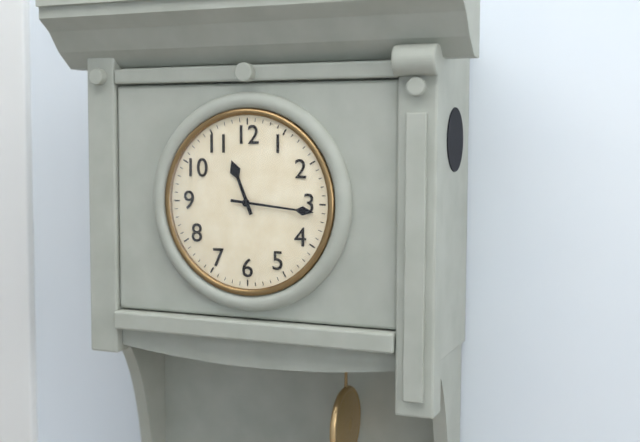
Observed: 11h16
